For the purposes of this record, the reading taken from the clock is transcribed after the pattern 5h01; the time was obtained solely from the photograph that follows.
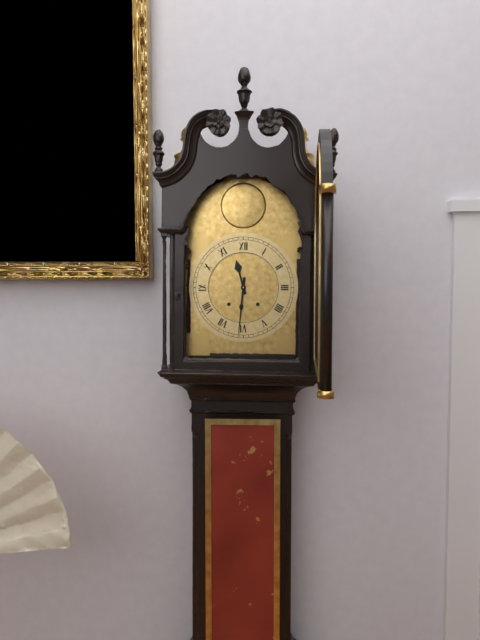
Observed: 11h31
